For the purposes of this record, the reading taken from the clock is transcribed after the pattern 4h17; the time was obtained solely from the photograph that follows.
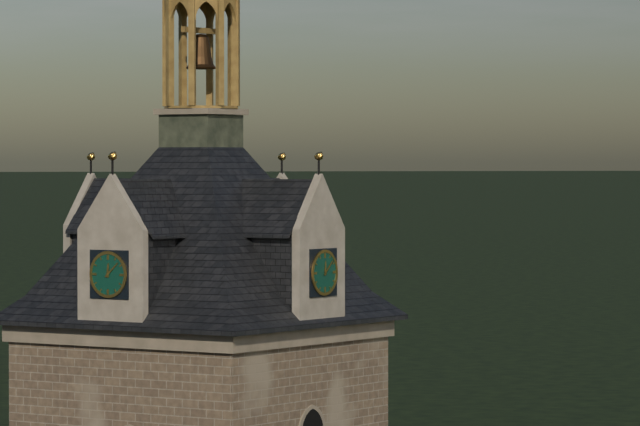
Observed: 12h08
